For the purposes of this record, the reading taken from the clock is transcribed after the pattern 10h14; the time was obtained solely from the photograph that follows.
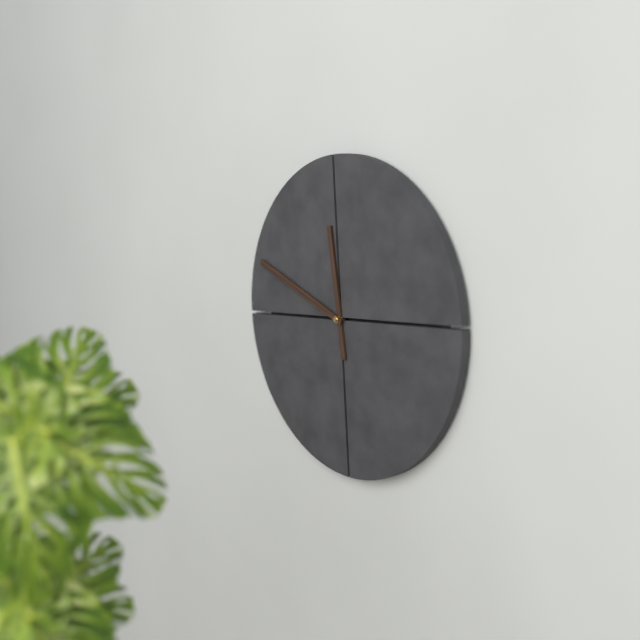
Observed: 11h49
